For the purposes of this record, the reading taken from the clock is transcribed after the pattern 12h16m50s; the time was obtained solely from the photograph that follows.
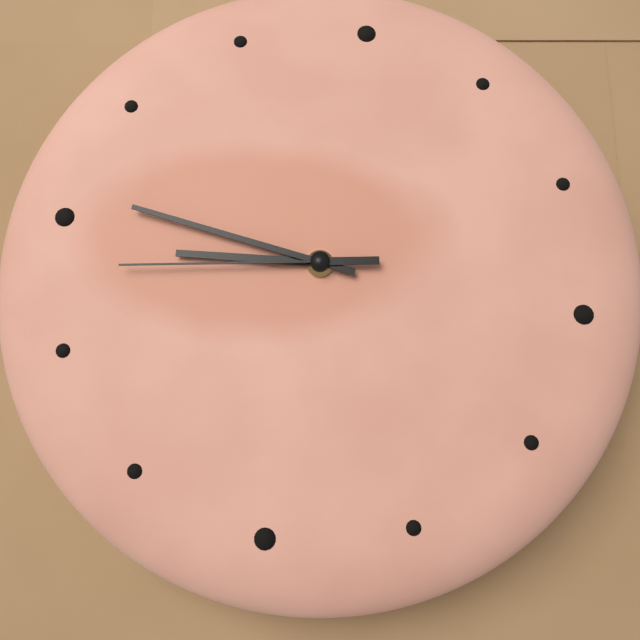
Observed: 8h46m43s
